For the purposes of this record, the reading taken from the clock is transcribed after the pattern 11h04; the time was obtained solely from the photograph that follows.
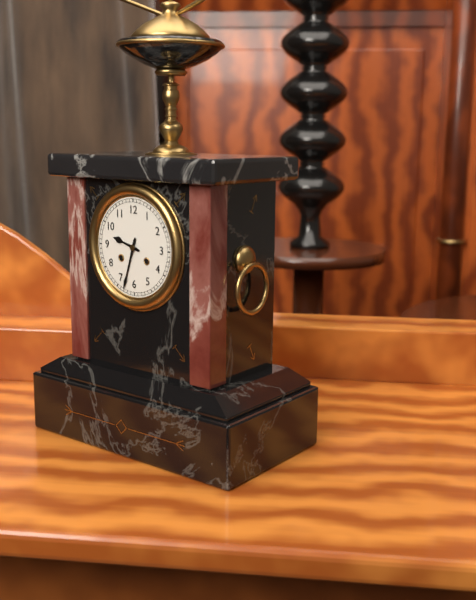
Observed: 9h33
